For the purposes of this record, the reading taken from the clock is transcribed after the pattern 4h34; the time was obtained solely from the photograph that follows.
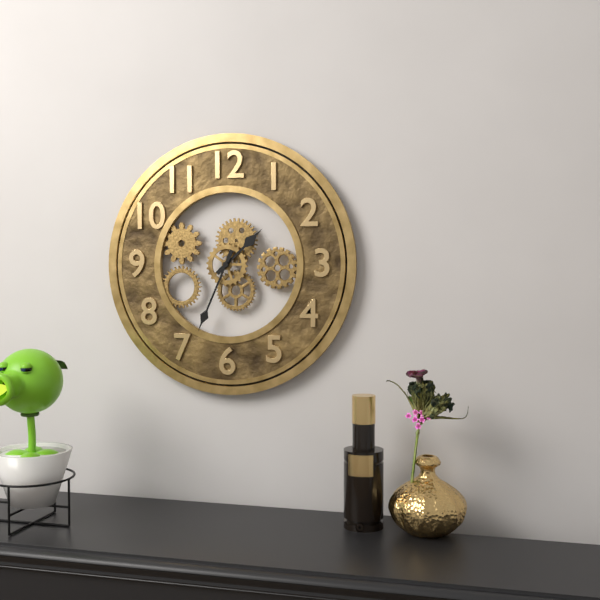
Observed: 1h34
